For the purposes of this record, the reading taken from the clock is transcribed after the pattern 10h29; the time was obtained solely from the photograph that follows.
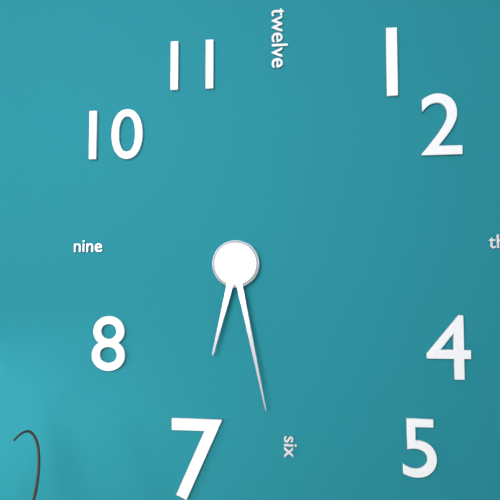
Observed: 6h28
